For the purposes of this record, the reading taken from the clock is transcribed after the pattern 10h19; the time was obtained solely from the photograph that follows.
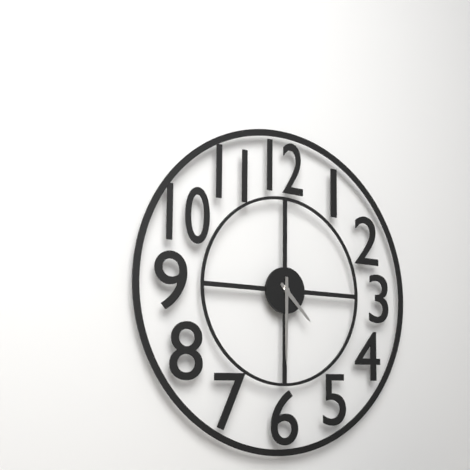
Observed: 4h30
